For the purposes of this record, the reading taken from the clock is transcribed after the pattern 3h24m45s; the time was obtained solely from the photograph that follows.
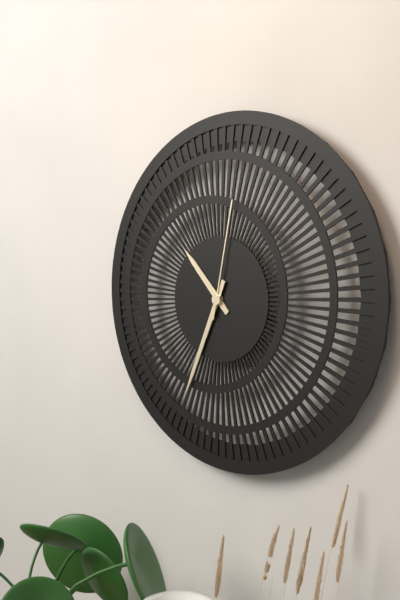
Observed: 10h34m02s
